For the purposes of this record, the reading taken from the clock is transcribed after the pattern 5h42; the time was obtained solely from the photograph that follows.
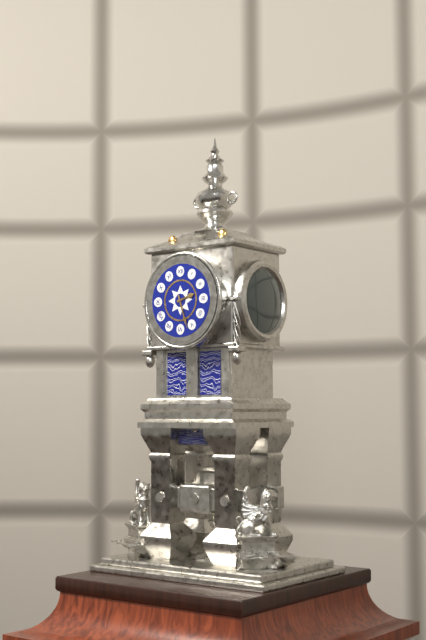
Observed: 2h27
